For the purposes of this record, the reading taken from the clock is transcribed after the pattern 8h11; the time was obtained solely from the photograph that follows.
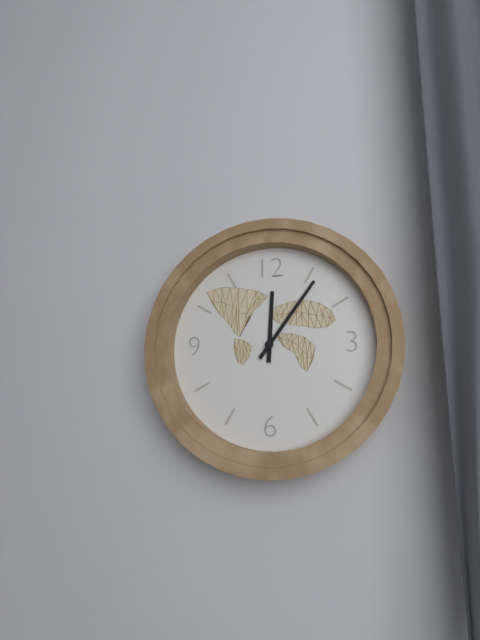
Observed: 12h06
